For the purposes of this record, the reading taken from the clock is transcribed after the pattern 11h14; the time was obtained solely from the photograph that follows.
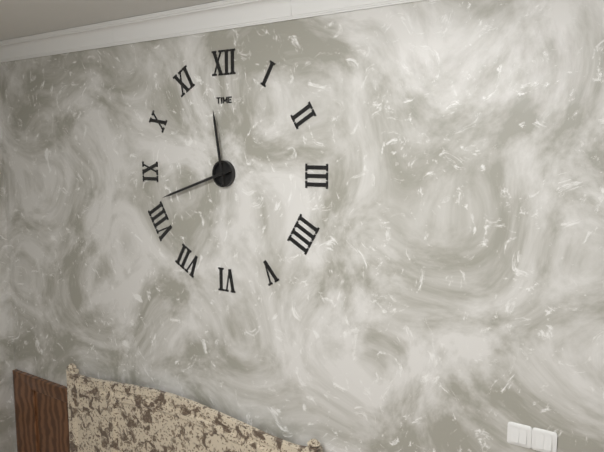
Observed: 11h42
